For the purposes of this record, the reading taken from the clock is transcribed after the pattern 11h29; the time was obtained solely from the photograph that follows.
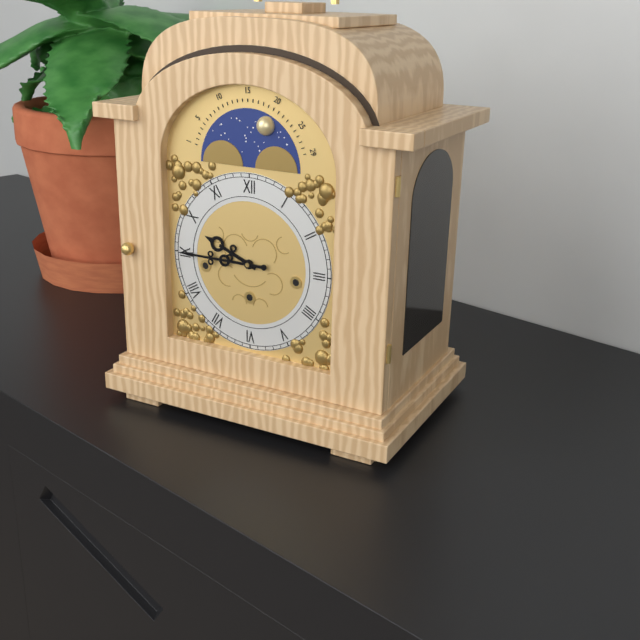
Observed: 9h45
